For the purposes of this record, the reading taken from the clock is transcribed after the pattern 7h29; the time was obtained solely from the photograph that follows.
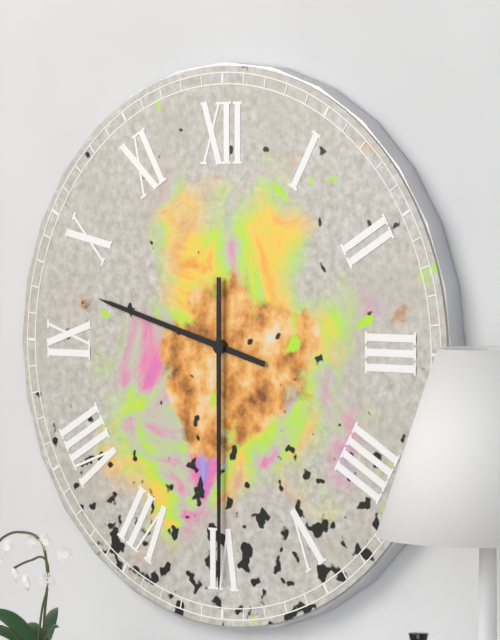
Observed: 9h30
